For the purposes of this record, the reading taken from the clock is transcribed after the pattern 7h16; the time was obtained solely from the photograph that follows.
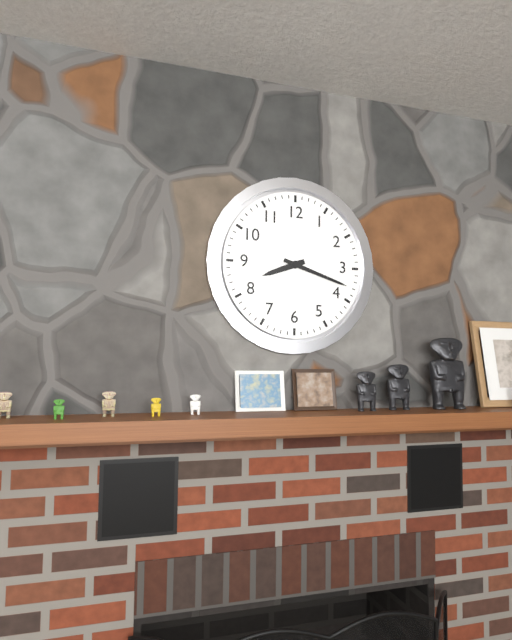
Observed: 8h18
